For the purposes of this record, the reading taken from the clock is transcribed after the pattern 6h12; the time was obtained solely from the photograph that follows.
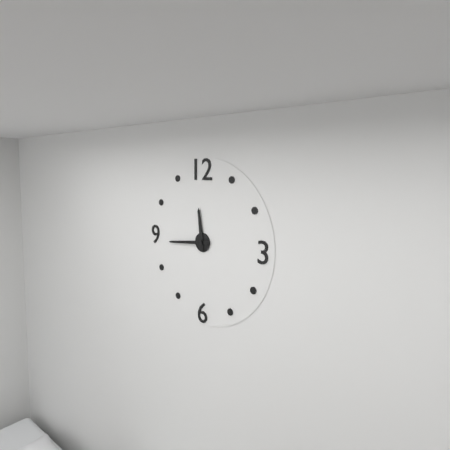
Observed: 11h44
